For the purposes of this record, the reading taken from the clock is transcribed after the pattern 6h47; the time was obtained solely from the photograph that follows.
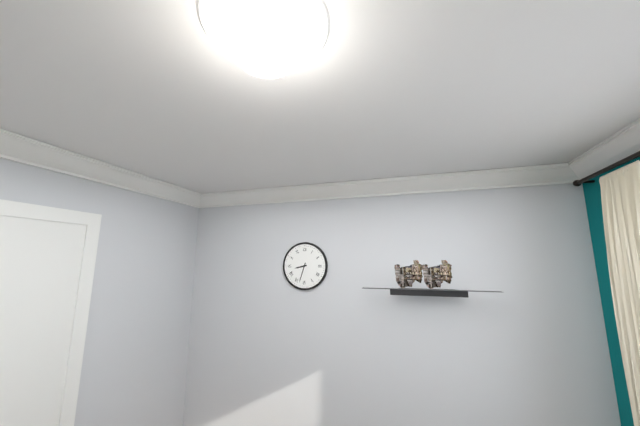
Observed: 8h33
